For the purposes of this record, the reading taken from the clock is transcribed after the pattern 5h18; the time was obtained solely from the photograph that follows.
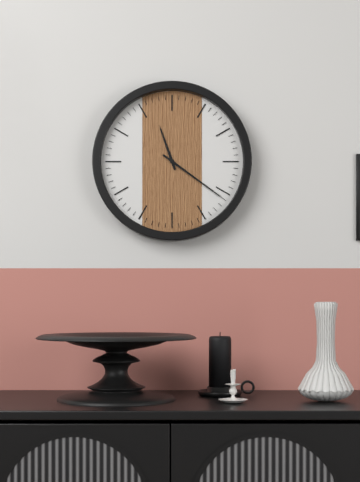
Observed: 11h21
